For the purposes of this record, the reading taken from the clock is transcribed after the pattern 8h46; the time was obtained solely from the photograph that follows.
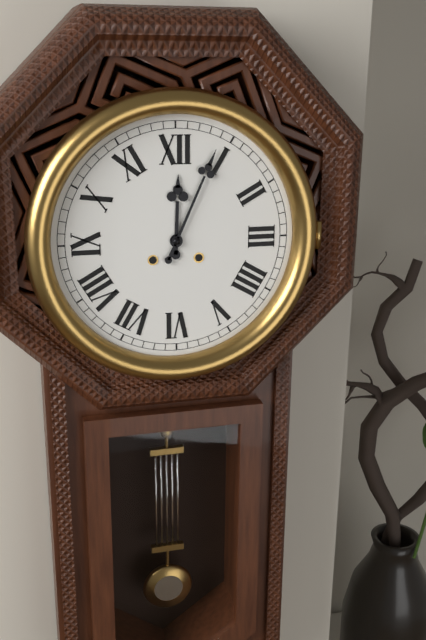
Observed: 12h04
